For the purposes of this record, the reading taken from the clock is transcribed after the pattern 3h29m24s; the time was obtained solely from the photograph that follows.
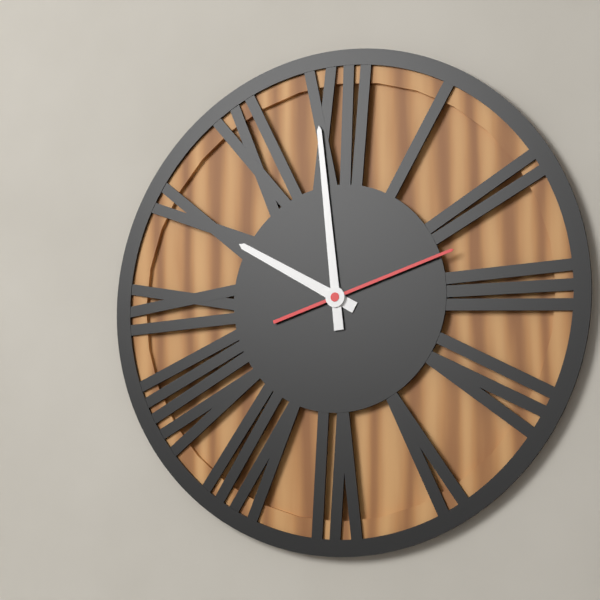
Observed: 9h59m12s
